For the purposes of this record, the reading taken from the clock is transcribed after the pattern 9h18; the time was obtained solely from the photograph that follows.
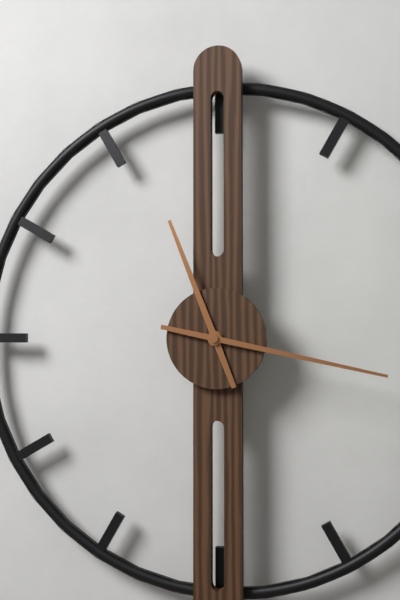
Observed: 11h17
